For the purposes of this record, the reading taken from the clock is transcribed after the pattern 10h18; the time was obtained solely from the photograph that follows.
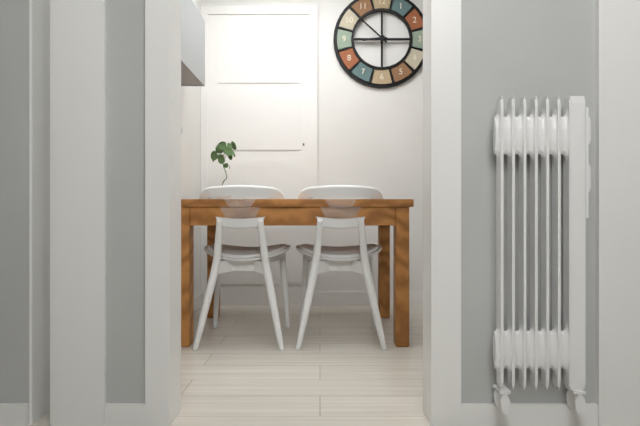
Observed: 8h52
